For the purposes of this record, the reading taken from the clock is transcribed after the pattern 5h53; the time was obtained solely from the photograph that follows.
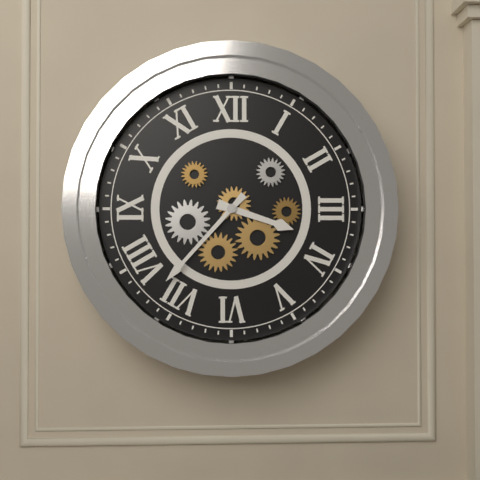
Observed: 3h37
